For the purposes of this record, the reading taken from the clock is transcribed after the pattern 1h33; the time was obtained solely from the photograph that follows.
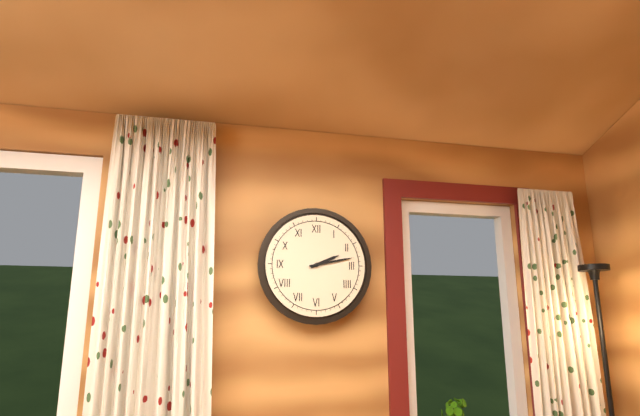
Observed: 2h13
